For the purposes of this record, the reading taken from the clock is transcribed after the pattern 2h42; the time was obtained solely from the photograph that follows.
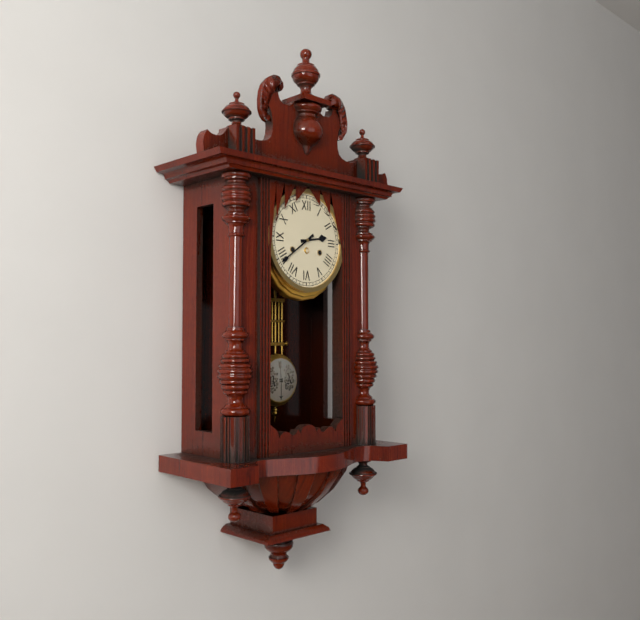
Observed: 2h39
